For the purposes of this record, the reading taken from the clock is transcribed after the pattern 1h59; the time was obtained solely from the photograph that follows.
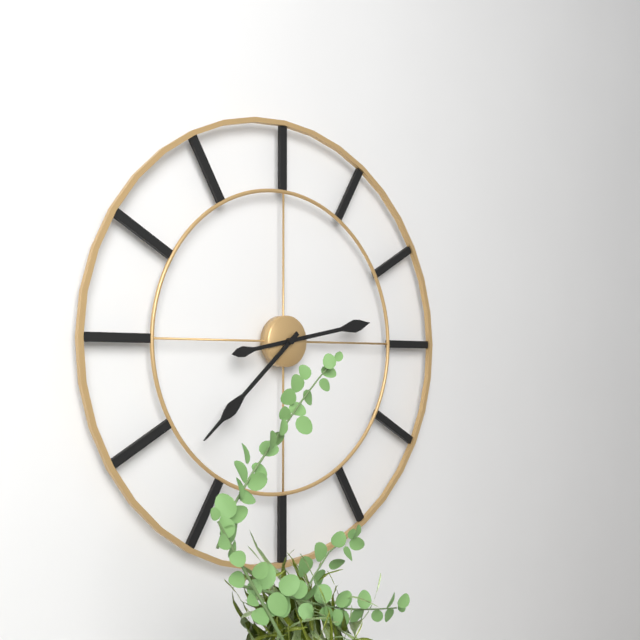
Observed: 2h38
